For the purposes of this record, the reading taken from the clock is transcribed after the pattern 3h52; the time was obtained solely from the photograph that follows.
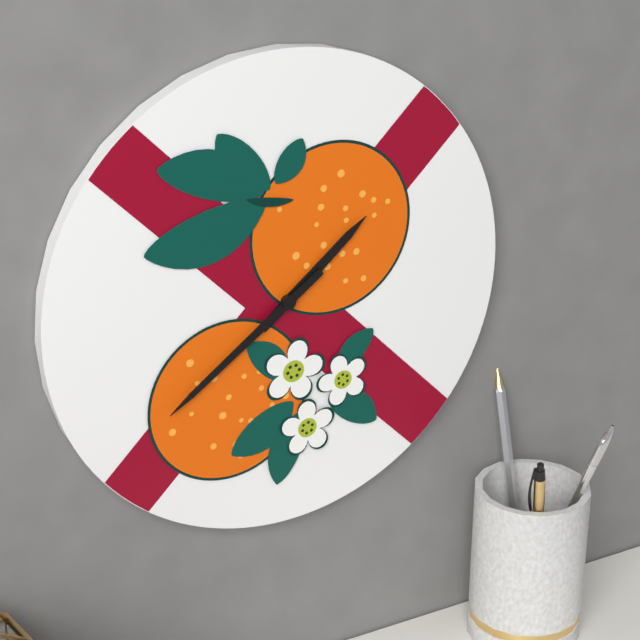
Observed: 1h39
